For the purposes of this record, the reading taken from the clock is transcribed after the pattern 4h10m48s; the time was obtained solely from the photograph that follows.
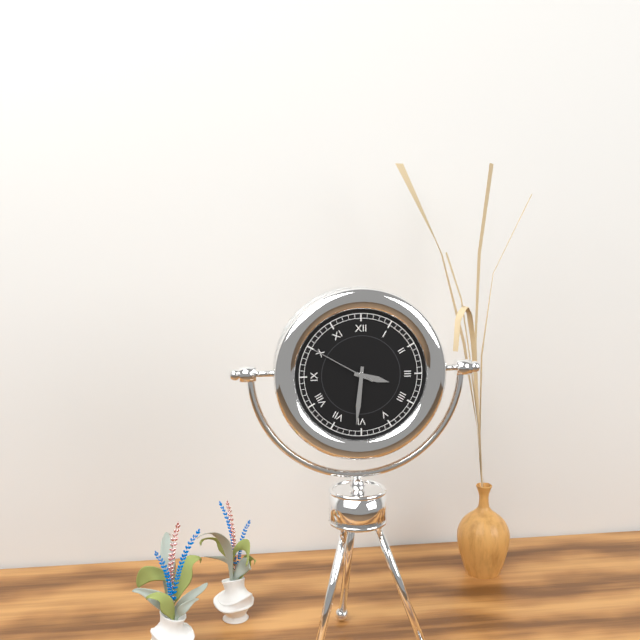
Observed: 3h31m50s
